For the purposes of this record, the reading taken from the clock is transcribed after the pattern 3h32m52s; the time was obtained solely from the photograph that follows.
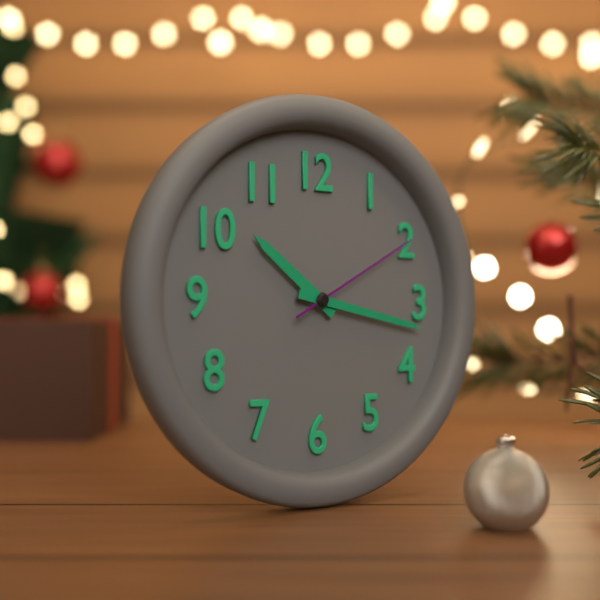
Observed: 10h17m10s
